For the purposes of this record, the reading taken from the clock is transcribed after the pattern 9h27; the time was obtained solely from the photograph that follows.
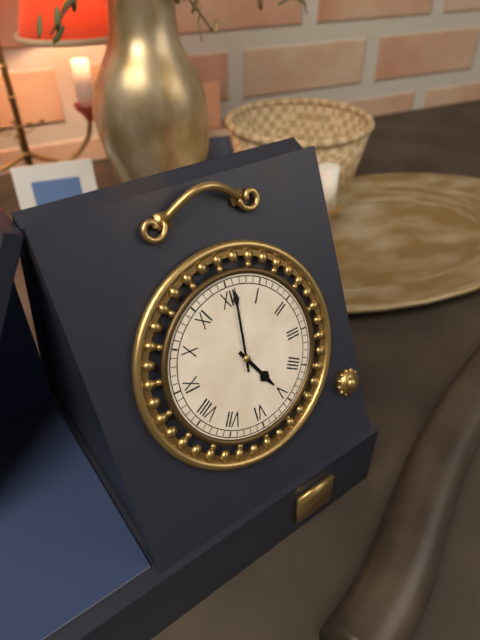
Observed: 5h01
